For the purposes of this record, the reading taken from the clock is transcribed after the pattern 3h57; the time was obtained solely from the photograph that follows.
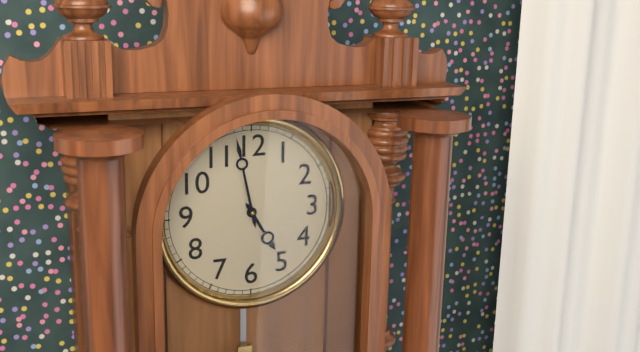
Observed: 4h58
